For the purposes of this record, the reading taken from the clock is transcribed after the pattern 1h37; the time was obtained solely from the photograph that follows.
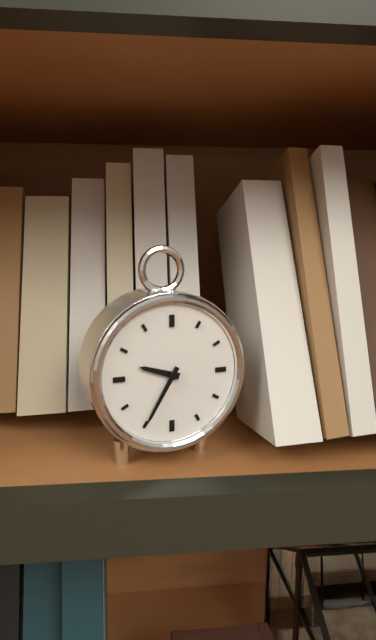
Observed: 9h35
